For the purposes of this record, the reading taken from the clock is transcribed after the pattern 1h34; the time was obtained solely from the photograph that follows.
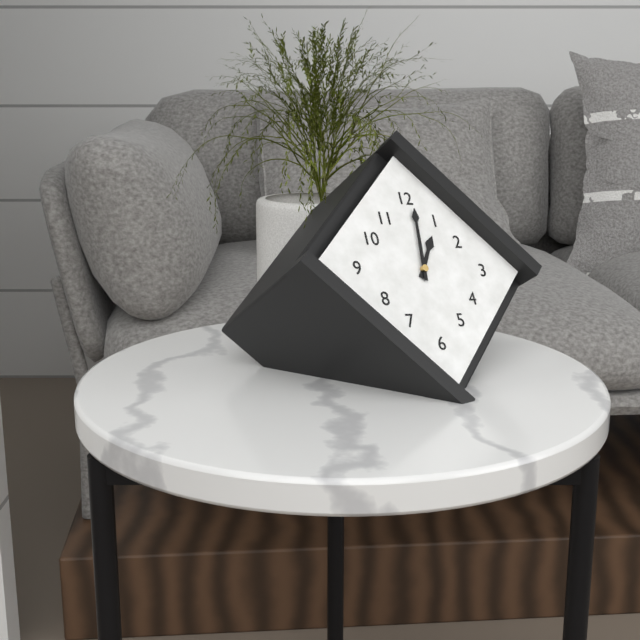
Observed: 1h01
